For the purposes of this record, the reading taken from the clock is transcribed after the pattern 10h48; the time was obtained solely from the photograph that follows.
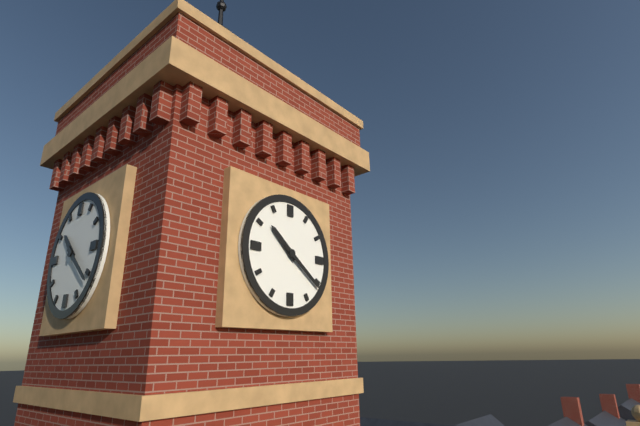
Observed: 10h21
